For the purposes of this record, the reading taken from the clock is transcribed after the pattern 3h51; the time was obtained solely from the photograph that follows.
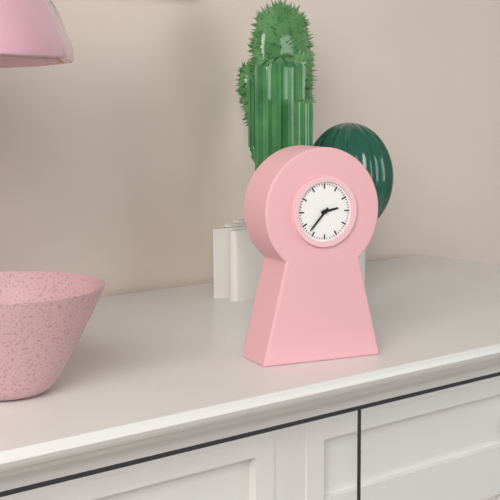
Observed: 2h37
